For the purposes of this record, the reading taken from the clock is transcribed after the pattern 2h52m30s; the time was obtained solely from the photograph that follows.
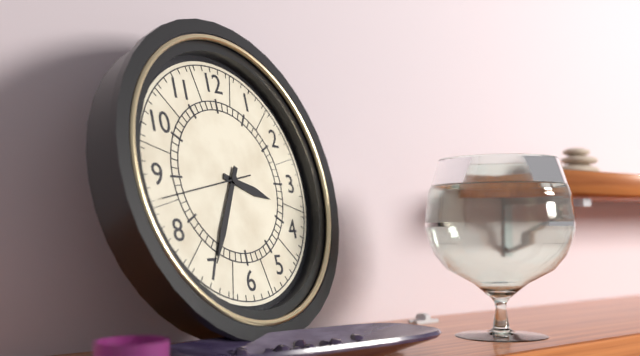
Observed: 3h35m43s
